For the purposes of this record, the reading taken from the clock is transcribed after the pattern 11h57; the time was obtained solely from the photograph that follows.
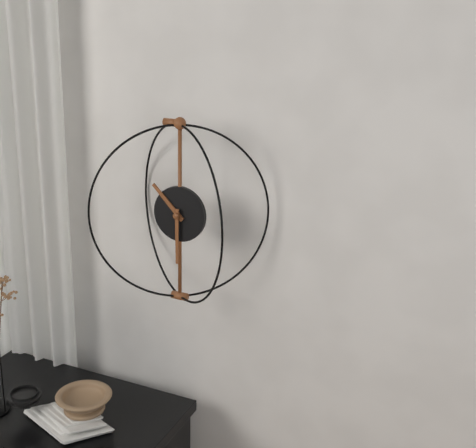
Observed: 10h30
